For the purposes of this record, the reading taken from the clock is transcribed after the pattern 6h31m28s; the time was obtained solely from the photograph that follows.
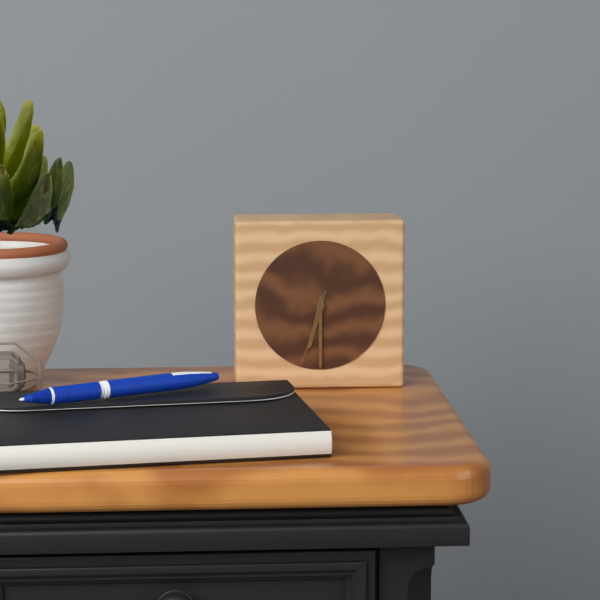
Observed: 6h30m33s
